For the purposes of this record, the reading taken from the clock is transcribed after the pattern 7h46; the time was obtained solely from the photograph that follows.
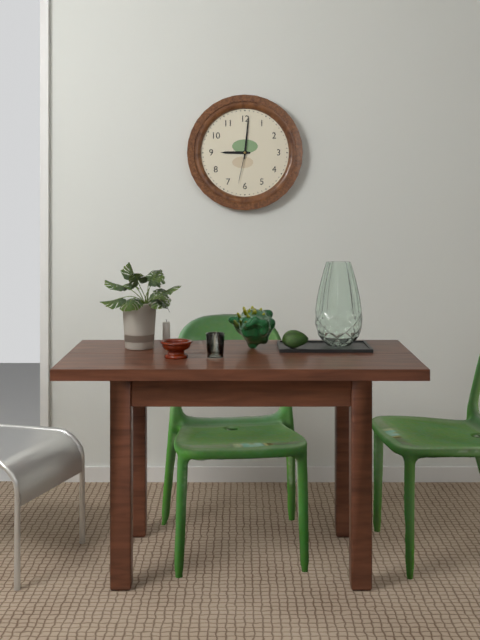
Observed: 9h01
